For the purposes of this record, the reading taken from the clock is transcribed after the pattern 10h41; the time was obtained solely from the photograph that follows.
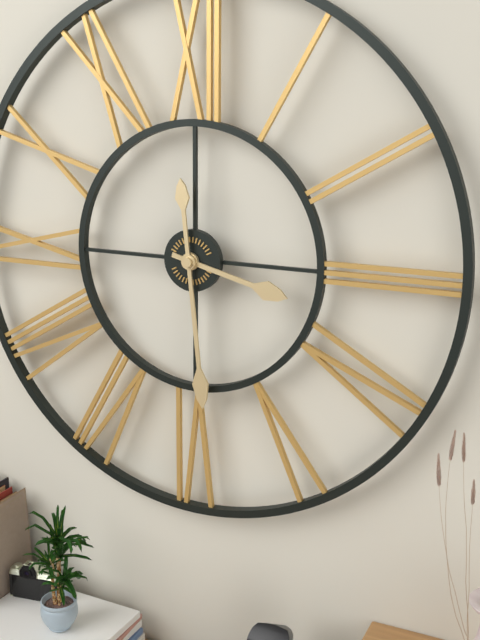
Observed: 3h29
